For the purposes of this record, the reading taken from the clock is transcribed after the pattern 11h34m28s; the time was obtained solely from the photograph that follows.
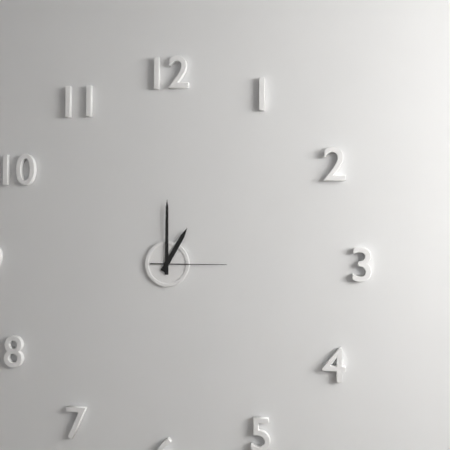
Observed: 1h00m15s
